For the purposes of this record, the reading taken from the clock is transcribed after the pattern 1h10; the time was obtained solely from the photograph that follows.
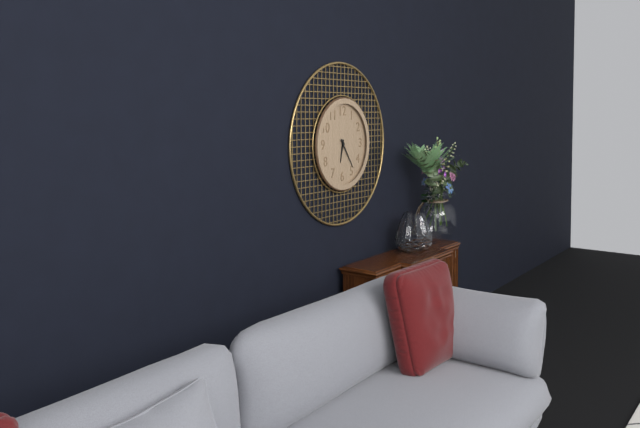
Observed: 6h24
